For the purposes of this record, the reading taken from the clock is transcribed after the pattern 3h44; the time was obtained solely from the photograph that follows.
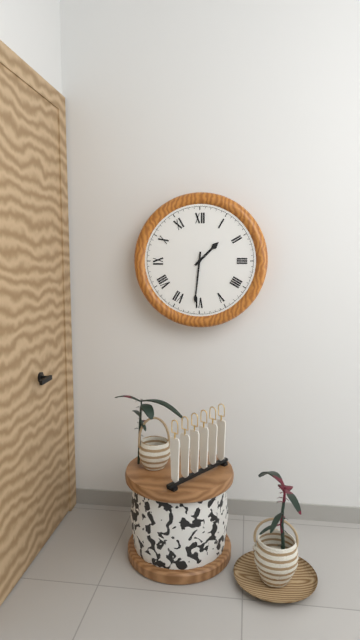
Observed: 1h31
